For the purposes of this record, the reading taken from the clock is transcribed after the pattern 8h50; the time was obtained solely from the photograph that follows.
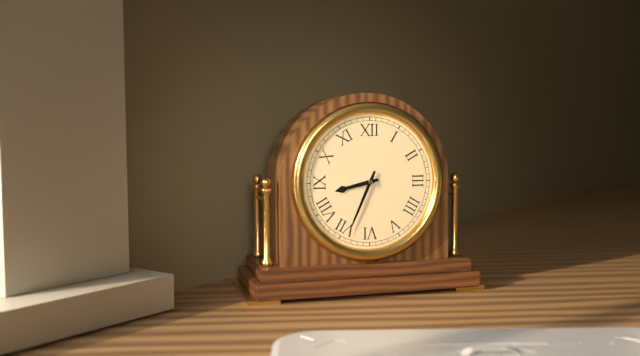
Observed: 8h34
